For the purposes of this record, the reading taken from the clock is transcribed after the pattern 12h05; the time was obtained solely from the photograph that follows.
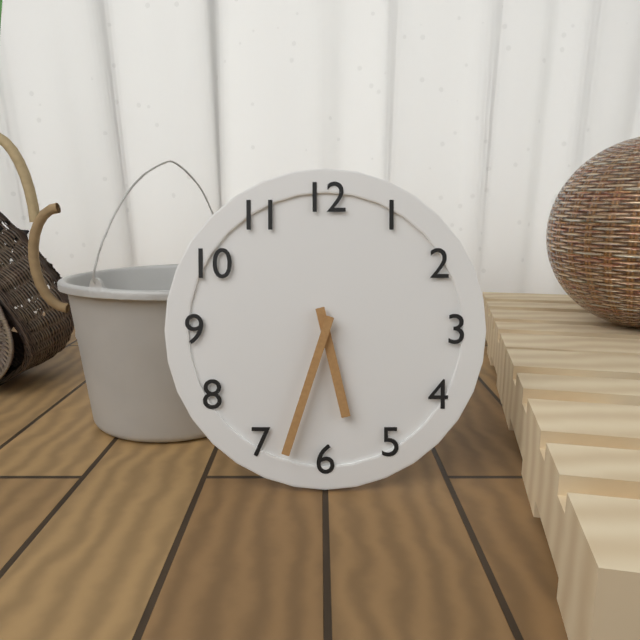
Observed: 5h33
